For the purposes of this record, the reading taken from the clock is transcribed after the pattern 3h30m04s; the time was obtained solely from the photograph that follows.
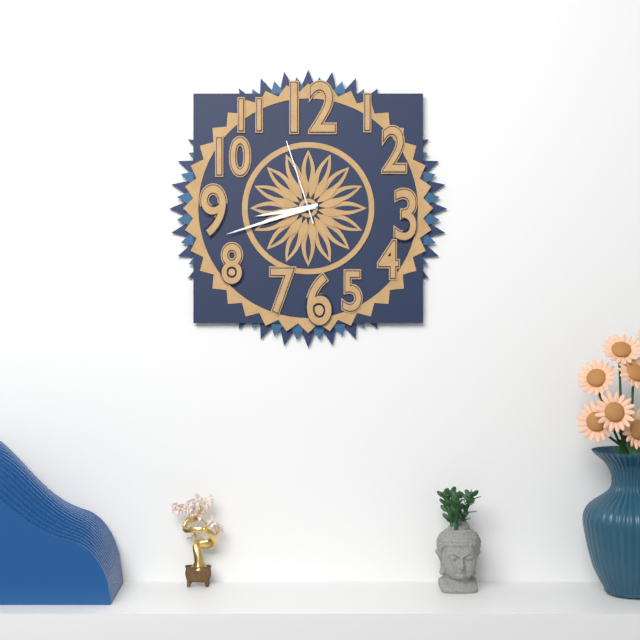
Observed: 8h42m57s
